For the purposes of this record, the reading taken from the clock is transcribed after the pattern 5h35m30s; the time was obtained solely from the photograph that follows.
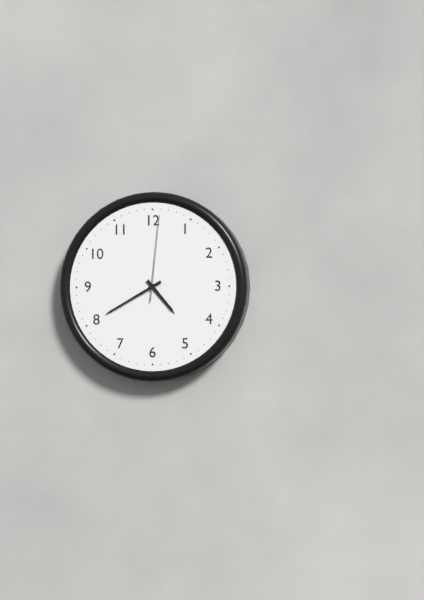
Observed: 4h40m01s
